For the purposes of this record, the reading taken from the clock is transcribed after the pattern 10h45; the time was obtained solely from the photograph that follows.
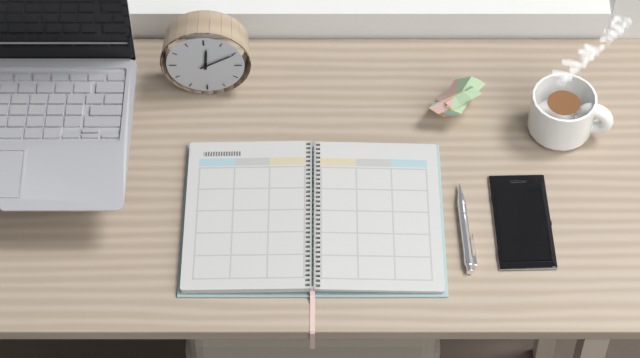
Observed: 12h10
